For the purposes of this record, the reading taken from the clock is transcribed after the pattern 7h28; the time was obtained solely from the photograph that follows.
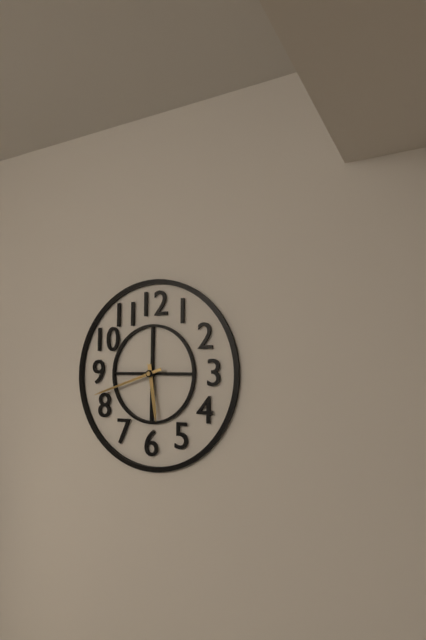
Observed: 5h42
